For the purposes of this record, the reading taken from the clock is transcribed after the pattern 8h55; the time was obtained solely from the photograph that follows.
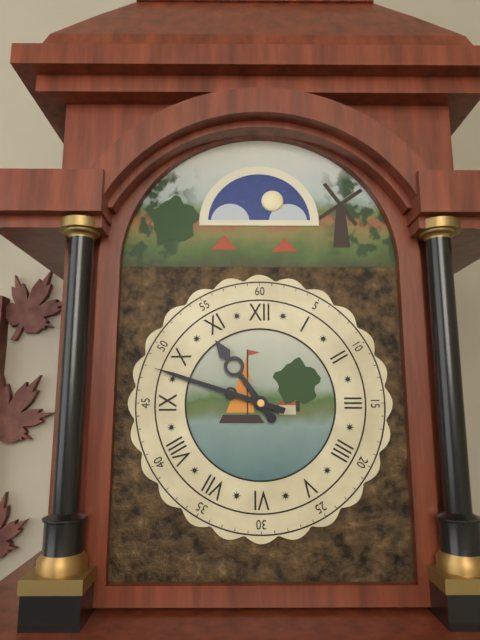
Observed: 10h48
